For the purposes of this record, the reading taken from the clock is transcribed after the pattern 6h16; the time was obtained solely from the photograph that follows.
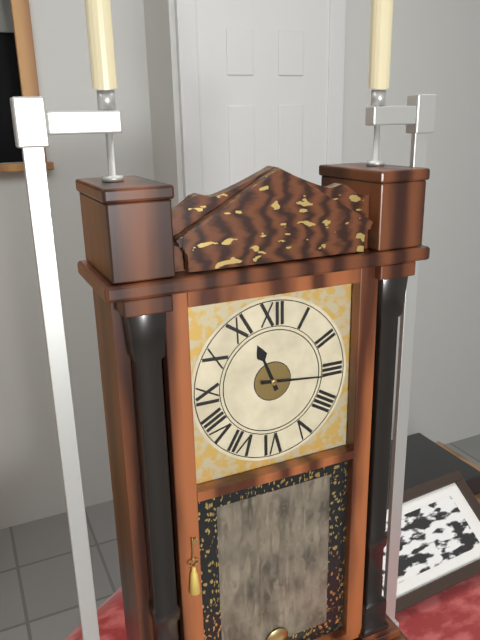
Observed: 11h16
